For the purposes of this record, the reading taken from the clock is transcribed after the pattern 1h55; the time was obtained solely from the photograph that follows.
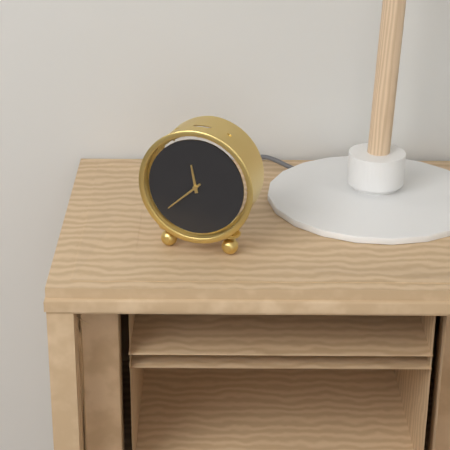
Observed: 11h38
